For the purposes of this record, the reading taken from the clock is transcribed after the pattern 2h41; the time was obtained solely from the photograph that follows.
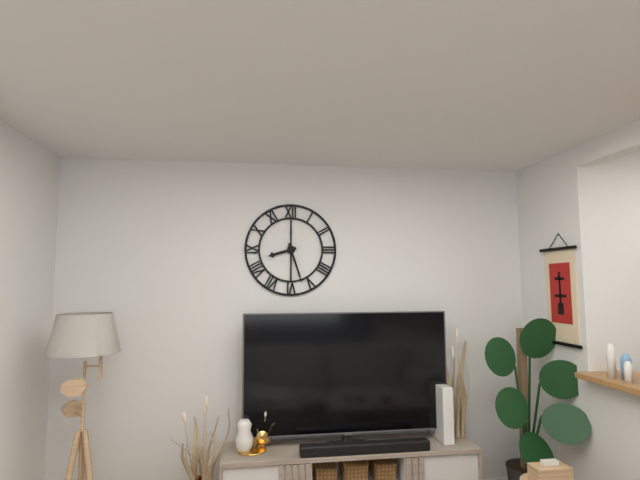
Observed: 8h27
